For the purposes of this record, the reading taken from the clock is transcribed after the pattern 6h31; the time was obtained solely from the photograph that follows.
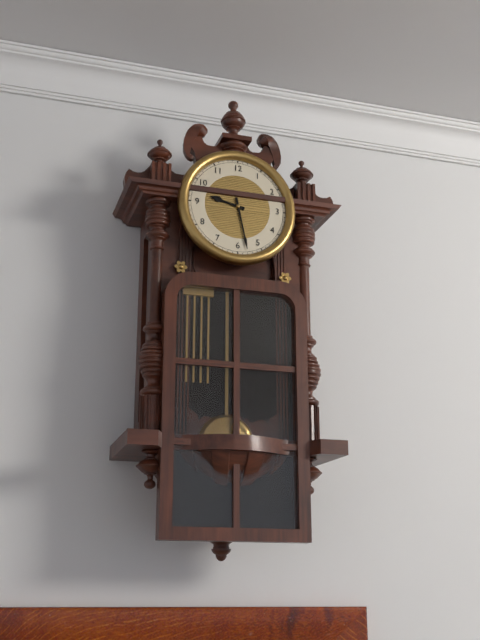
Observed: 9h28
